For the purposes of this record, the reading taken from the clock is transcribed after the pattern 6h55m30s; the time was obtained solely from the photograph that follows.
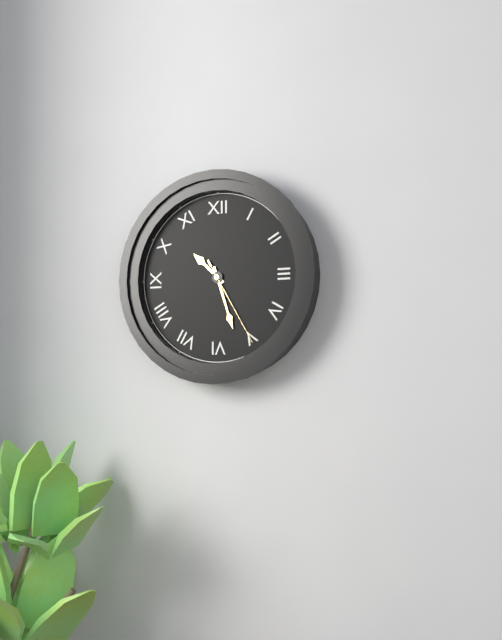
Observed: 10h27m25s
